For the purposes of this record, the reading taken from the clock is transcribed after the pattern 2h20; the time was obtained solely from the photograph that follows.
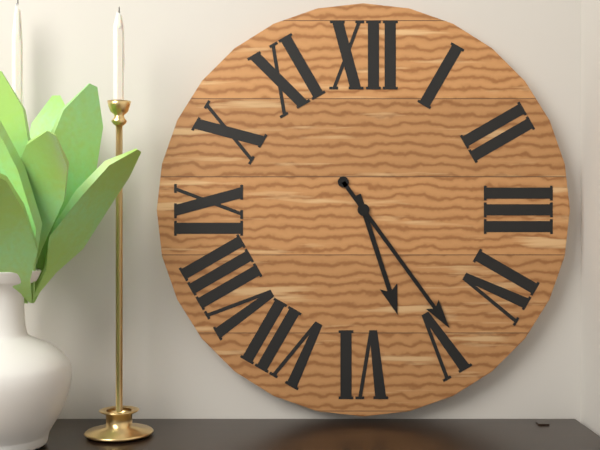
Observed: 5h24
